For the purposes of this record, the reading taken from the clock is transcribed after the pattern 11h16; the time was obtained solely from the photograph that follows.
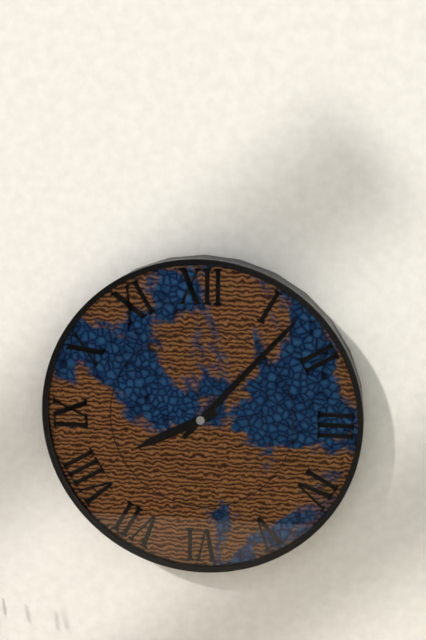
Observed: 8h07
